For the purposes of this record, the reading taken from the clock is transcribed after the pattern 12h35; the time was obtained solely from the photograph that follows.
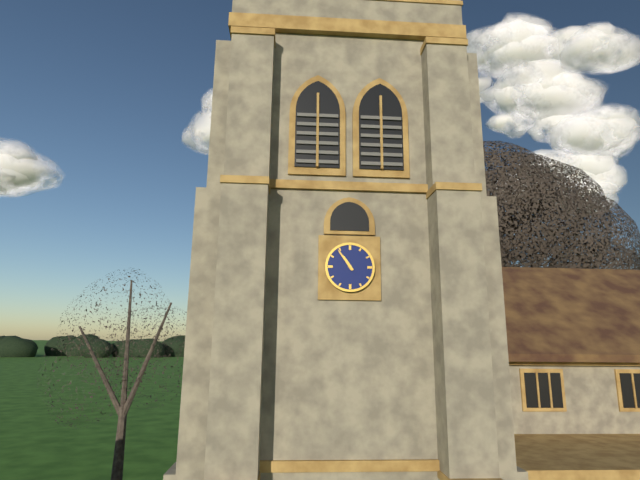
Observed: 10h54
